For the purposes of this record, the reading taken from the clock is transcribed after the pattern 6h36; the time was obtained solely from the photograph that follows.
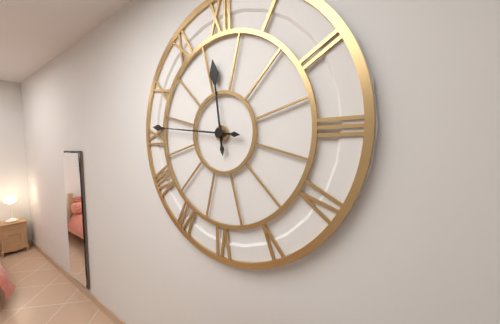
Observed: 11h46
